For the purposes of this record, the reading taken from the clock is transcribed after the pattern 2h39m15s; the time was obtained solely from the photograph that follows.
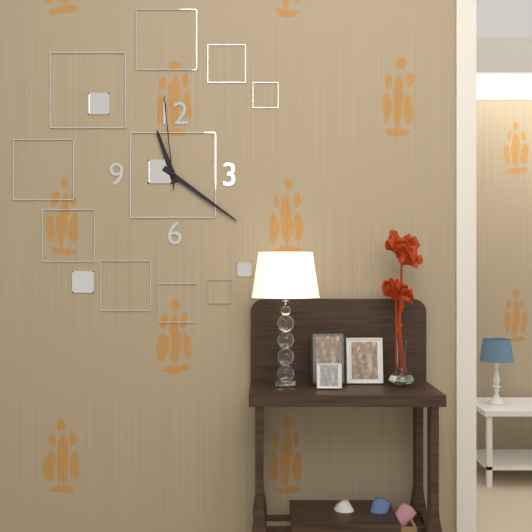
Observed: 11h21m59s
